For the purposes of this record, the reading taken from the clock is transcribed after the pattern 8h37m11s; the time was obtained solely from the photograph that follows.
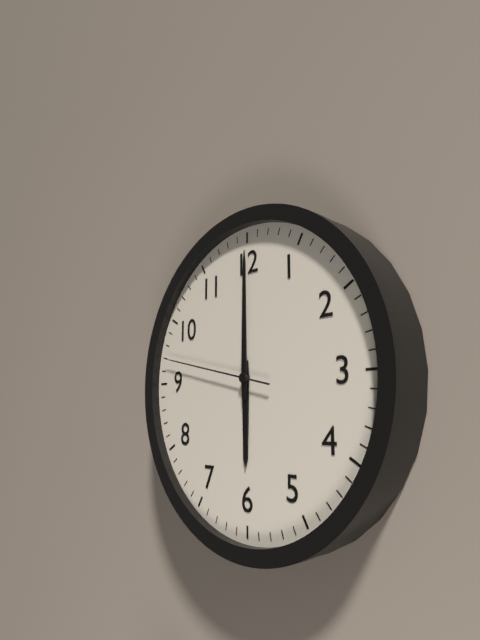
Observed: 6h00m47s
